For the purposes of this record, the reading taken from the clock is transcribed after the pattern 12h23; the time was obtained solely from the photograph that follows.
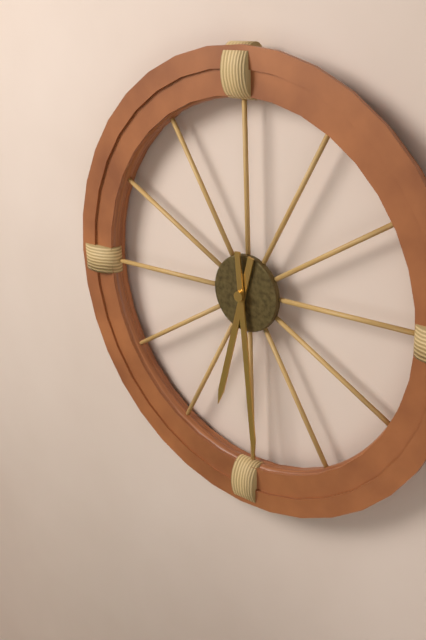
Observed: 6h29
